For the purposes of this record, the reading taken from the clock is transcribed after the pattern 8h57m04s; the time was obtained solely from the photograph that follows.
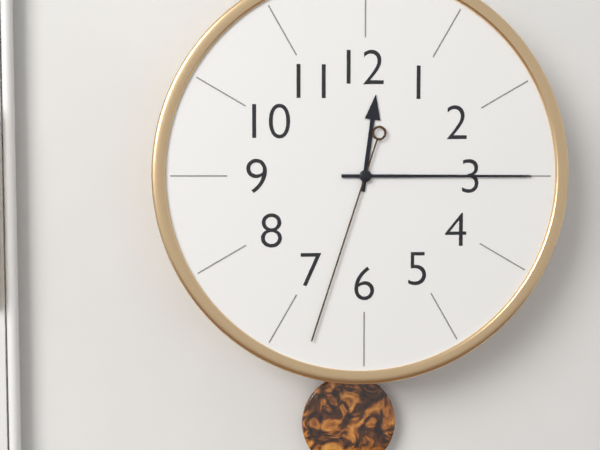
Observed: 12h15m33s
